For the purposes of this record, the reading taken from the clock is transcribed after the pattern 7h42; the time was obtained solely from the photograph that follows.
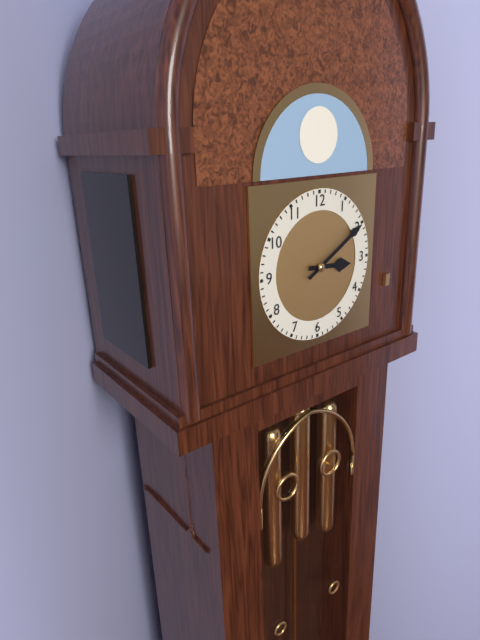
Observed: 3h10
